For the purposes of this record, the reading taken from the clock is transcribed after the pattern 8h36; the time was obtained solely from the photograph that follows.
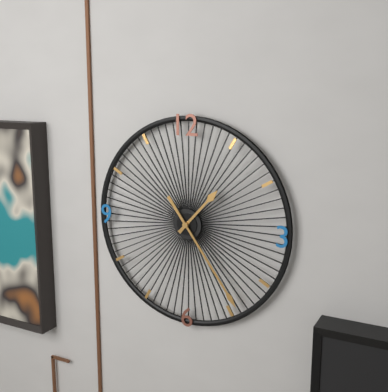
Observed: 1h24
